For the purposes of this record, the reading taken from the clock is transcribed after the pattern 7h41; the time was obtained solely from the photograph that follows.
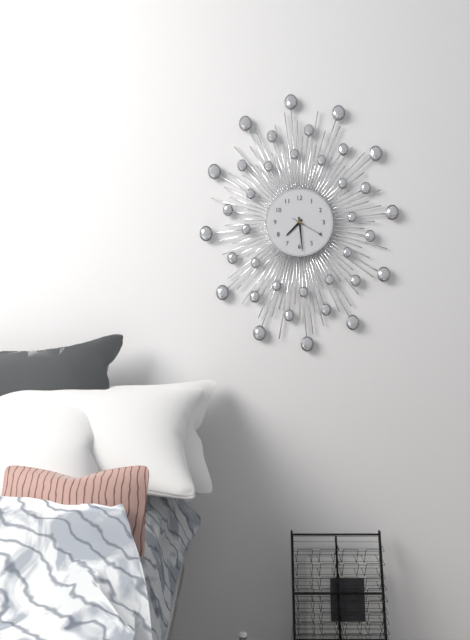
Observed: 7h29
